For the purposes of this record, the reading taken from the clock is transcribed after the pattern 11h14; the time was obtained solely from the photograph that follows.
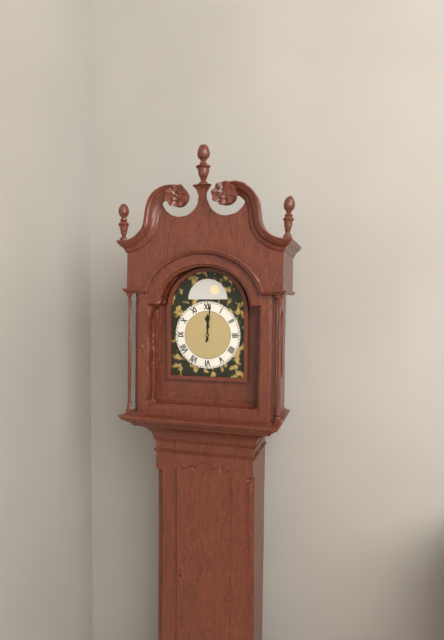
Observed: 12h01
